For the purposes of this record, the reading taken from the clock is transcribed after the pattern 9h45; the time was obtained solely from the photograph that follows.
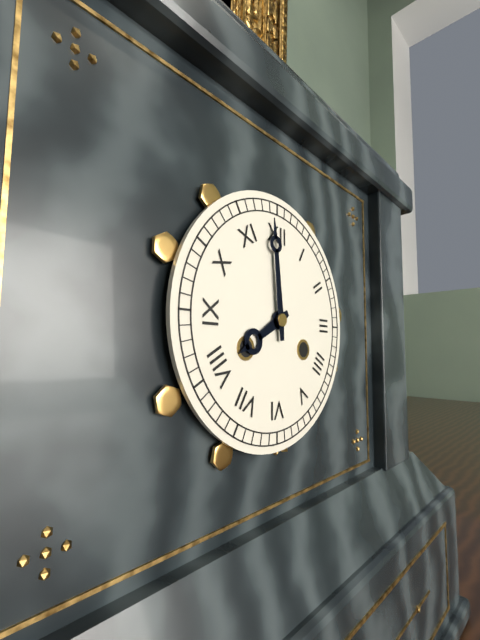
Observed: 7h59
